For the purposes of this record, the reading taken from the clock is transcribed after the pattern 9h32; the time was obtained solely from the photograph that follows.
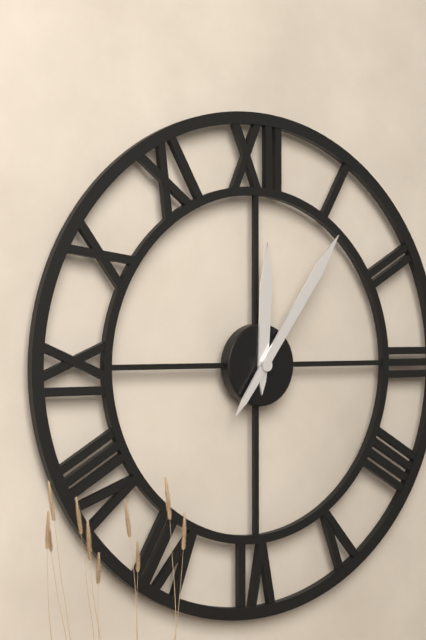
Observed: 12h06
